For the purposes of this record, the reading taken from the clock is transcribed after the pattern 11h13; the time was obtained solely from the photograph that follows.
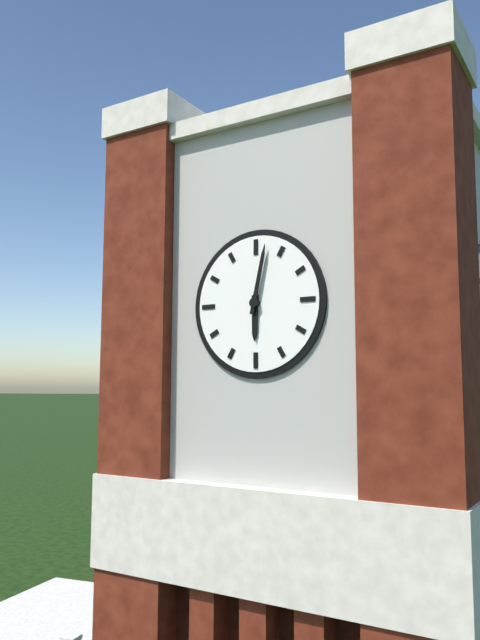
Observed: 6h02
